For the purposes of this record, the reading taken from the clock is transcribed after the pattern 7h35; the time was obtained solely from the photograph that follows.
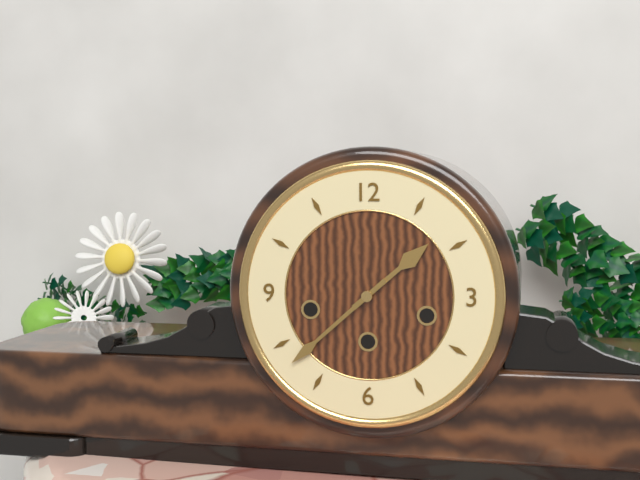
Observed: 1h38
